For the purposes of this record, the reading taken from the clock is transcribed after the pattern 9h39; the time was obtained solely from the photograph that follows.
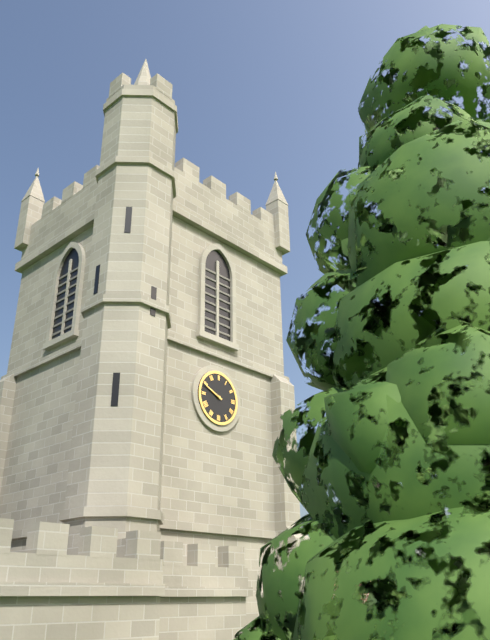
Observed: 9h49
